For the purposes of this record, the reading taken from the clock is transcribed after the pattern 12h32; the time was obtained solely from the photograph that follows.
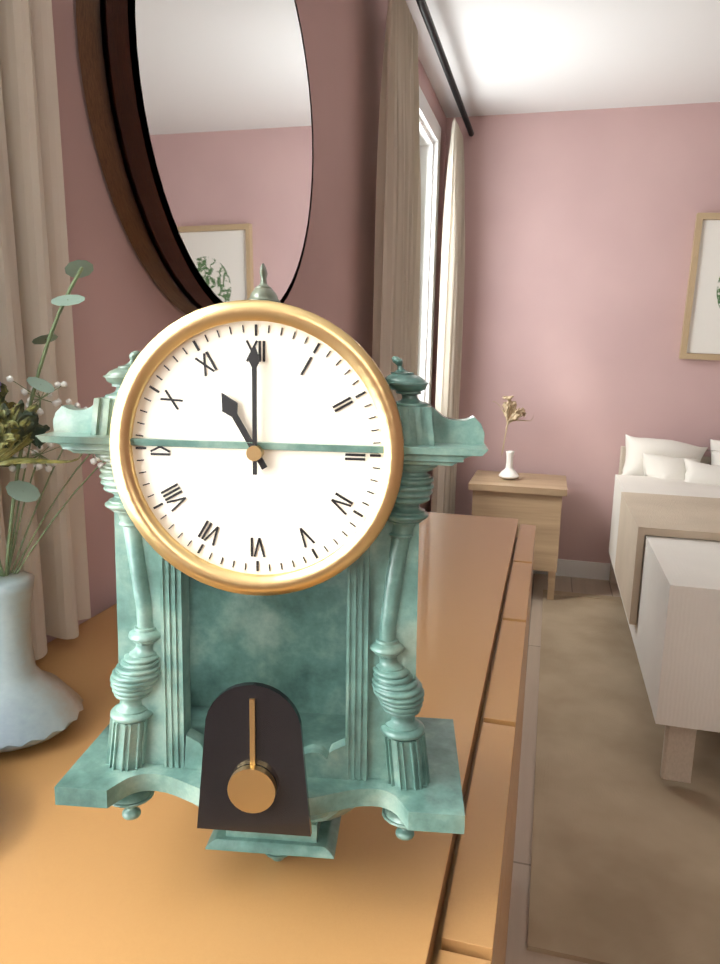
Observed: 11h00
